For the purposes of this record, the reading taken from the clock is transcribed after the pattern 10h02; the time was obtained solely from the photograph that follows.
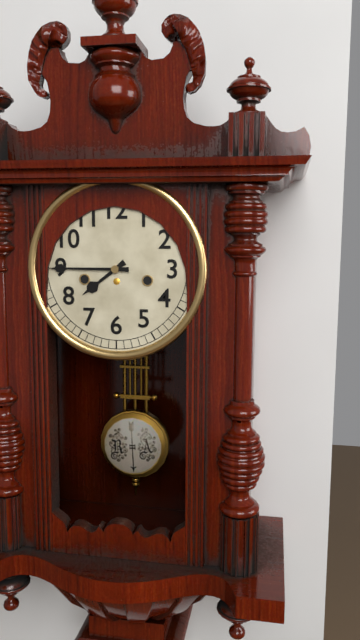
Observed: 7h45
